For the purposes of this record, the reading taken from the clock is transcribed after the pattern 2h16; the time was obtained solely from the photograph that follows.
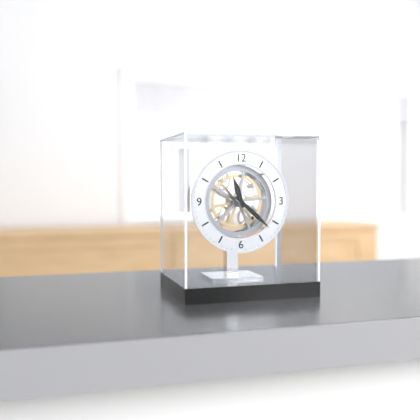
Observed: 11h22
